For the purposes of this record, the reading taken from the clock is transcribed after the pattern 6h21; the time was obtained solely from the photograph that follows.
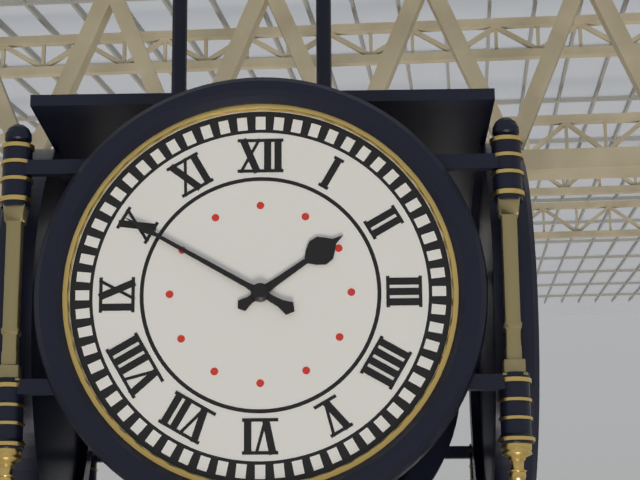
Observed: 1h50
